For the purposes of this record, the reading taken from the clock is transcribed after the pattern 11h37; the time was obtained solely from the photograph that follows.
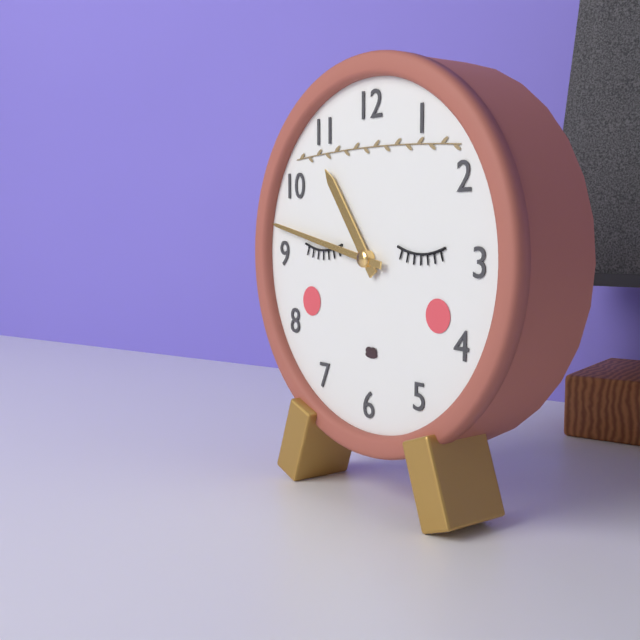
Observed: 10h47
